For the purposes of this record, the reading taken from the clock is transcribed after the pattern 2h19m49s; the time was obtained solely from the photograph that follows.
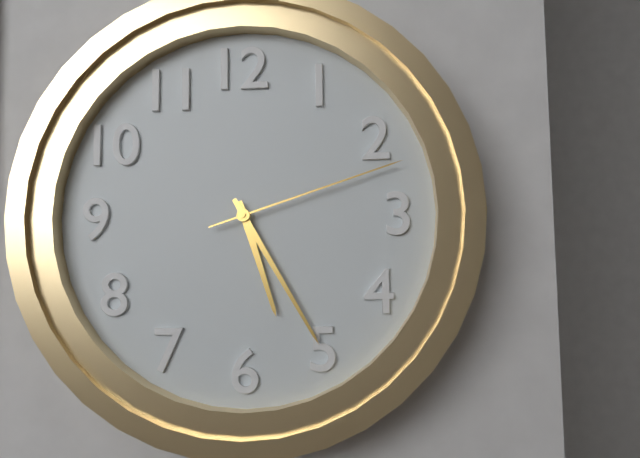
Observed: 5h25m12s
